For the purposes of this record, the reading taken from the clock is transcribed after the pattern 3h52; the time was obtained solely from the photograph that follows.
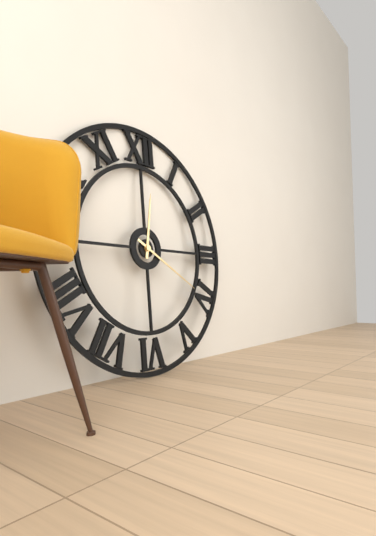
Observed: 12h20
